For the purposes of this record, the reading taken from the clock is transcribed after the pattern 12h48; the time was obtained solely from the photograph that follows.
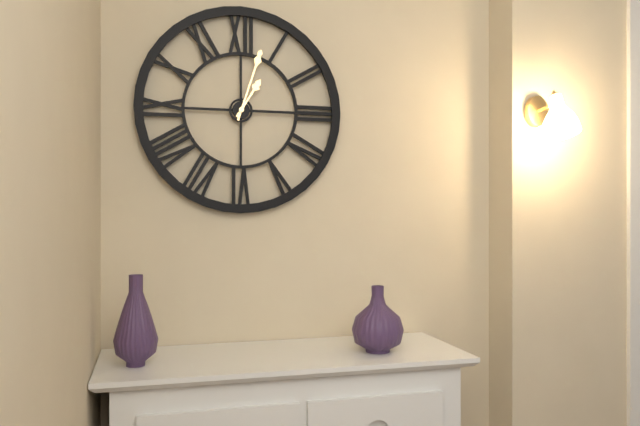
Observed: 1h03
